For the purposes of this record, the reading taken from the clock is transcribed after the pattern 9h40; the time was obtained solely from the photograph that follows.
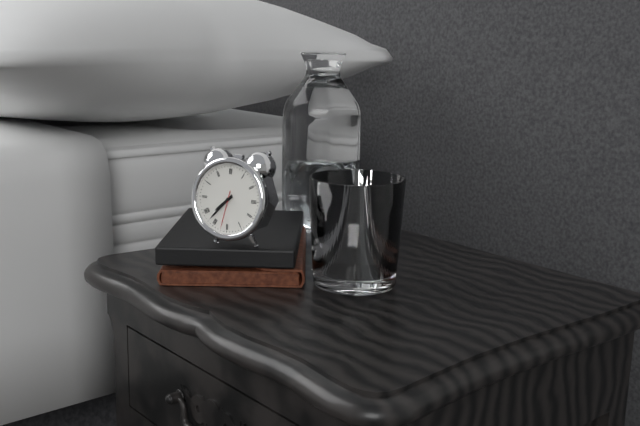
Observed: 7h37
